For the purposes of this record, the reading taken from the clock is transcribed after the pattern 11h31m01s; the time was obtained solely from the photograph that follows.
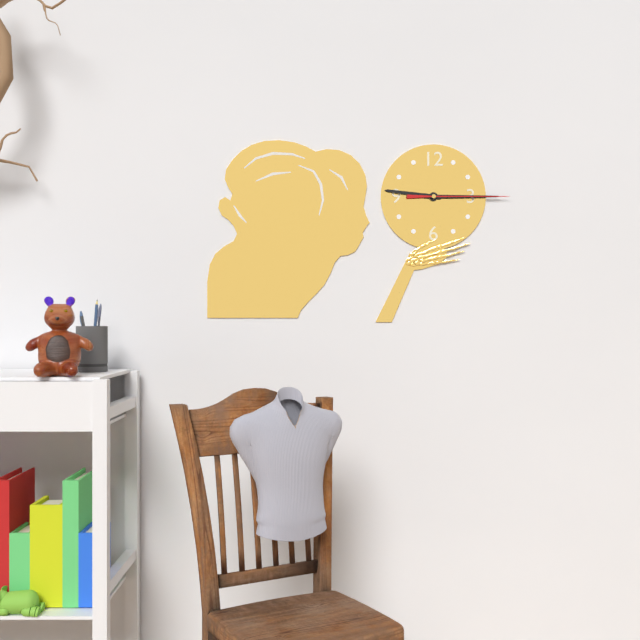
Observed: 9h15m15s
